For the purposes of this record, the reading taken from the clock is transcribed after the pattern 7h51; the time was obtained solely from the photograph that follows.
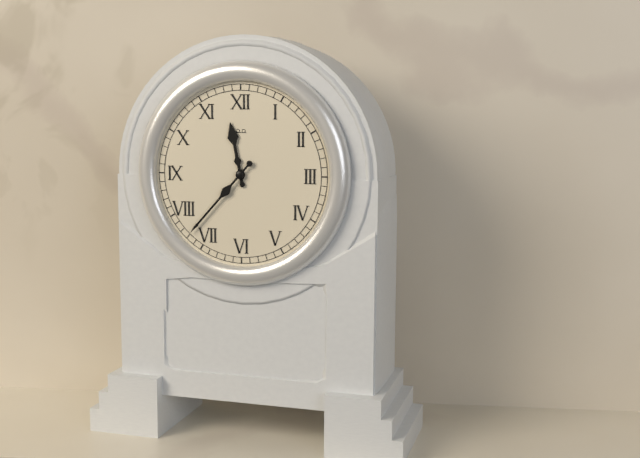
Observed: 11h37
